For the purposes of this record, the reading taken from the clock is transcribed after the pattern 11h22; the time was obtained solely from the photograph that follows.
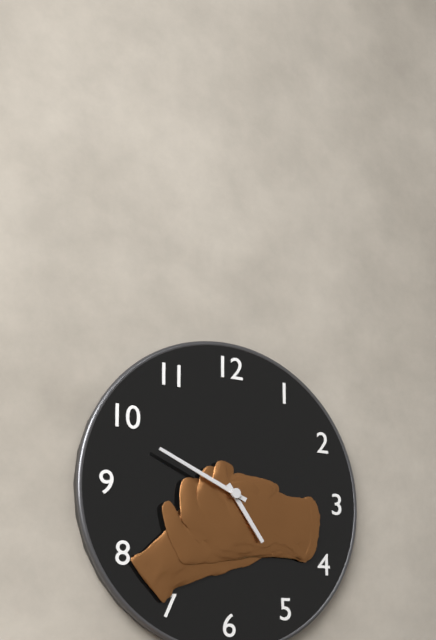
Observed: 4h49
